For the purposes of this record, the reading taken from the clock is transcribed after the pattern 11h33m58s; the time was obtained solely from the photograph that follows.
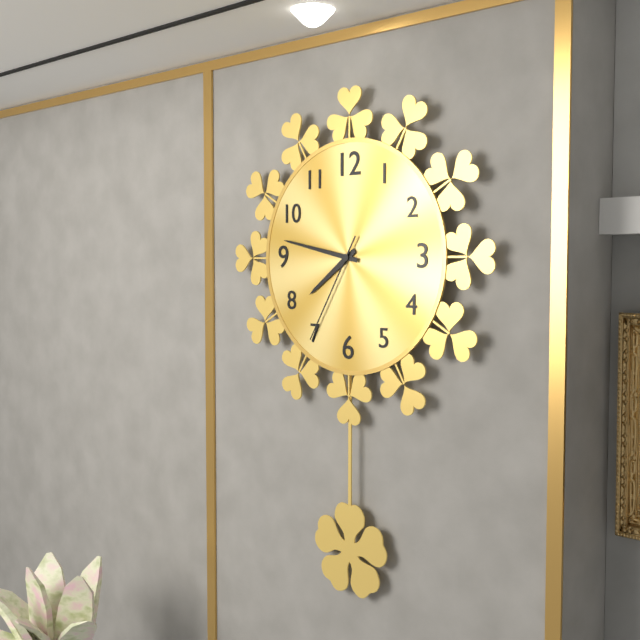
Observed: 7h47m35s
